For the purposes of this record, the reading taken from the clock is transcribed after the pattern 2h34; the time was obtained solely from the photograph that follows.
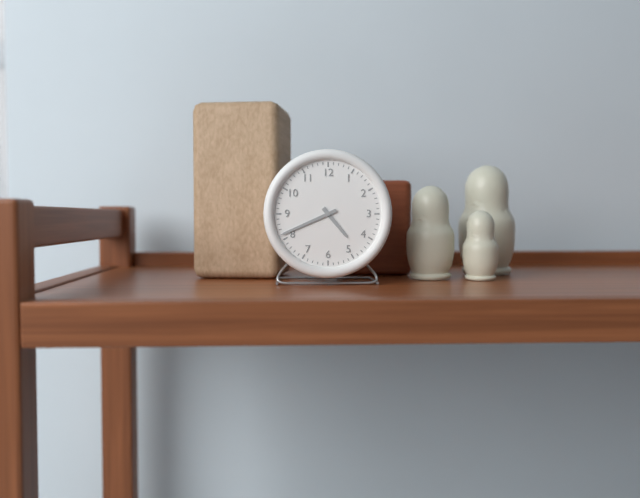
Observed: 4h41
